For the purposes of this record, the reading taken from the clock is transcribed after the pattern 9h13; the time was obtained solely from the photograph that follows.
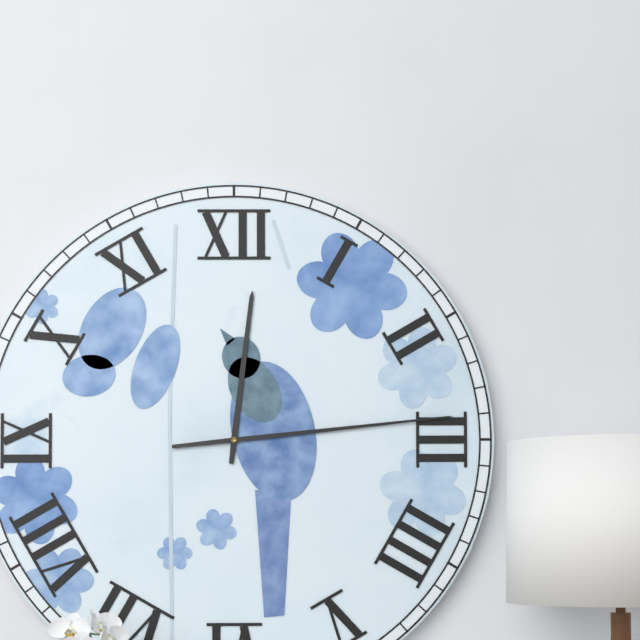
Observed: 12h14
